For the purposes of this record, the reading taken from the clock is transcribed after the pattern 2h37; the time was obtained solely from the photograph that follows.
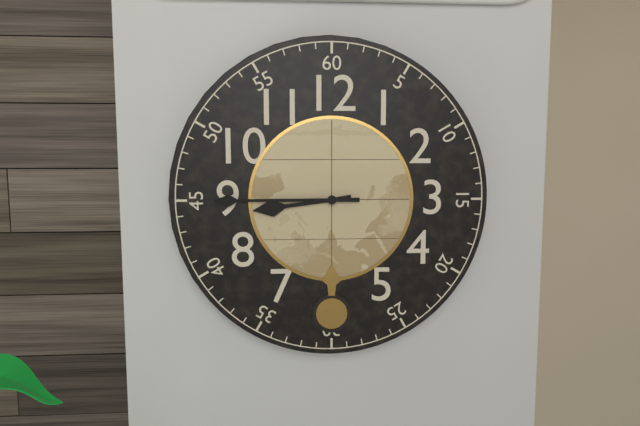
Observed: 8h45
